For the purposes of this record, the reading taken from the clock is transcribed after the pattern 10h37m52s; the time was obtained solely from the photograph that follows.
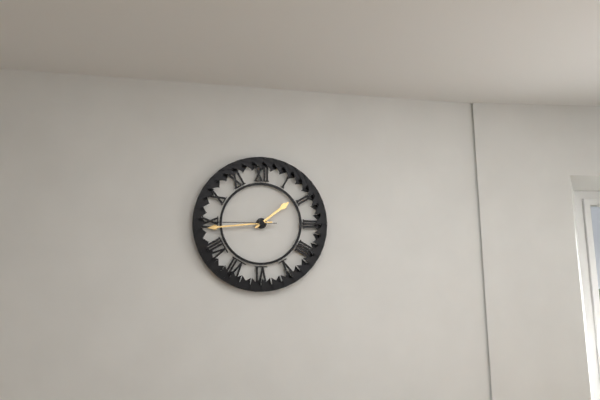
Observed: 1h44m45s
